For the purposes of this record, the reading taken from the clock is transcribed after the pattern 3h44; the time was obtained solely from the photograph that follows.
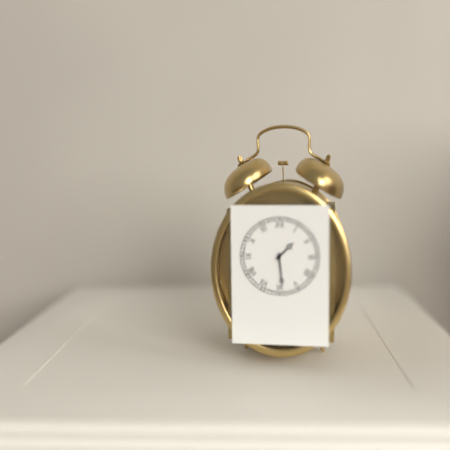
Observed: 1h29
